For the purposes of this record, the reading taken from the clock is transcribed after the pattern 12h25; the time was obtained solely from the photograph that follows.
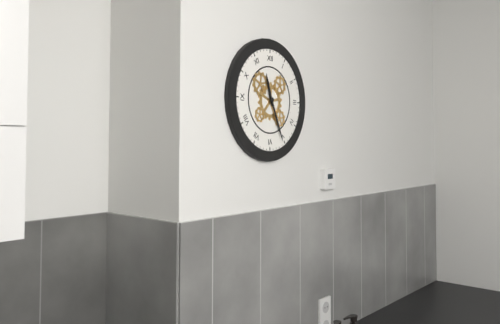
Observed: 11h26
